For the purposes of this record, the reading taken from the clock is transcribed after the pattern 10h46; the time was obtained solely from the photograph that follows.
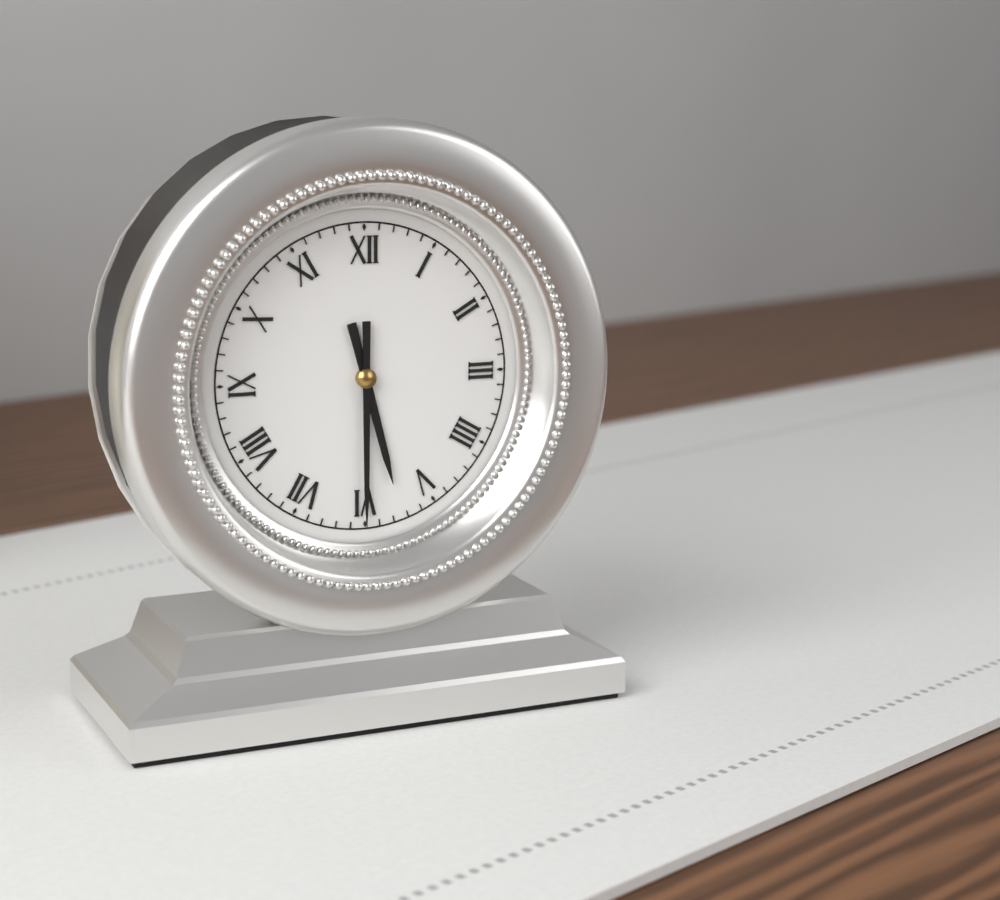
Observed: 5h30
